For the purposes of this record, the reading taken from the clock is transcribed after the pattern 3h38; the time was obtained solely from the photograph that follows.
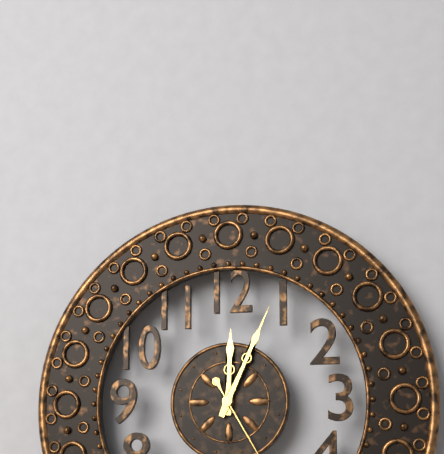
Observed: 12h04
